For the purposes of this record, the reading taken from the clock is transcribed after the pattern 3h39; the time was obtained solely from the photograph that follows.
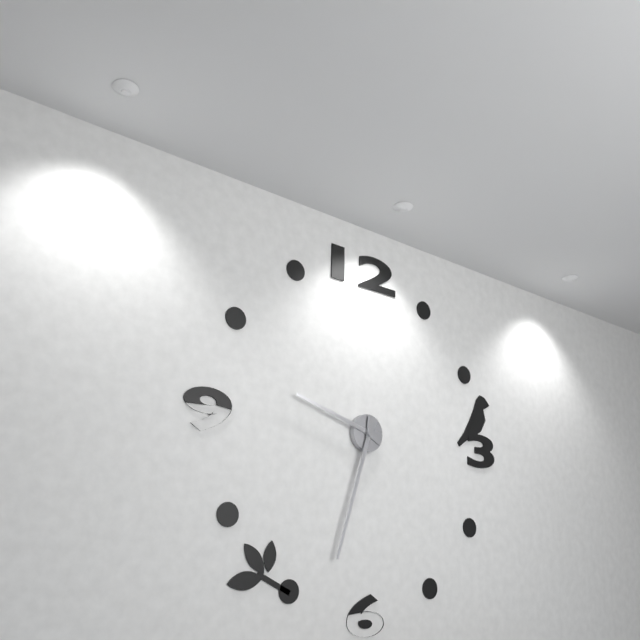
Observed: 9h33
